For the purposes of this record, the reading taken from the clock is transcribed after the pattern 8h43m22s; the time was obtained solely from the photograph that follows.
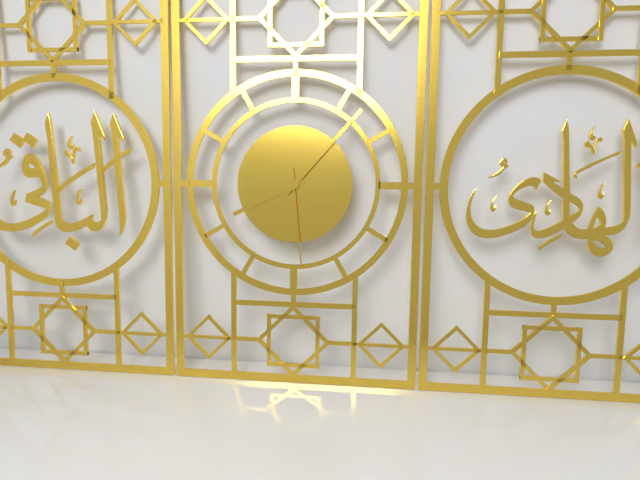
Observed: 8h07m29s
